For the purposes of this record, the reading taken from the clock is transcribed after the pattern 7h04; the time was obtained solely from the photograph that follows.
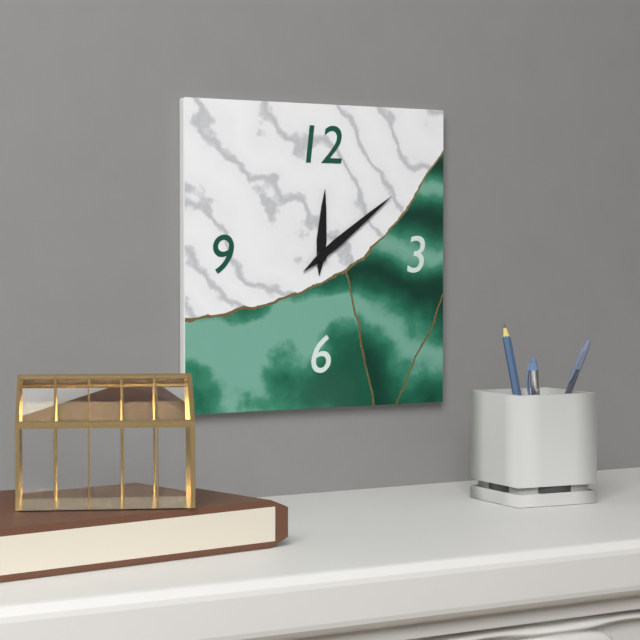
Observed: 12h09
